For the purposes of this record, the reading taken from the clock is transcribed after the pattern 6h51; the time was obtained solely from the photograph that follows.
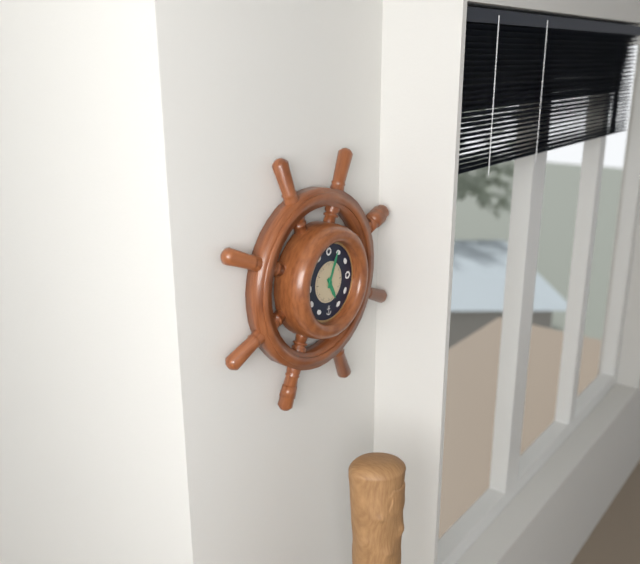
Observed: 5h04
